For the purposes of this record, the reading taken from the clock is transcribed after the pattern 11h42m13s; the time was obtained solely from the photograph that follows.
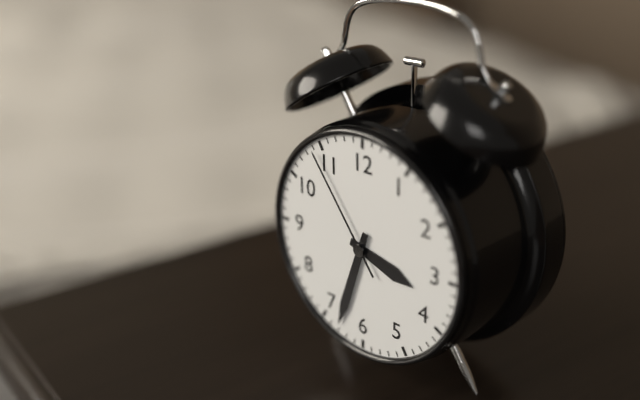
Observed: 3h33m54s
